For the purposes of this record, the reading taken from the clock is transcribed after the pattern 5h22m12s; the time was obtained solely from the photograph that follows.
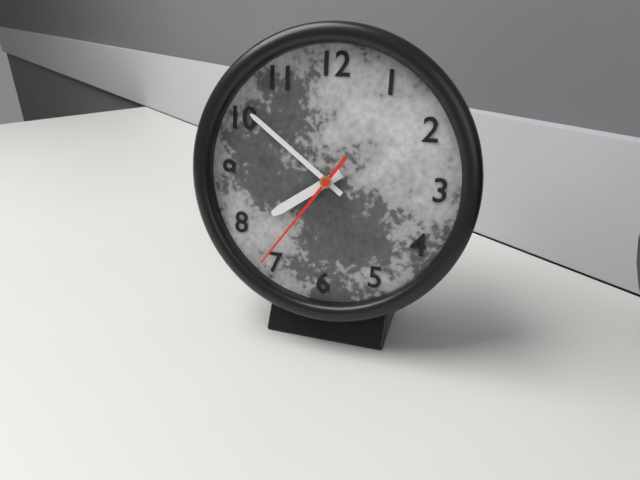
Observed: 7h51m36s
